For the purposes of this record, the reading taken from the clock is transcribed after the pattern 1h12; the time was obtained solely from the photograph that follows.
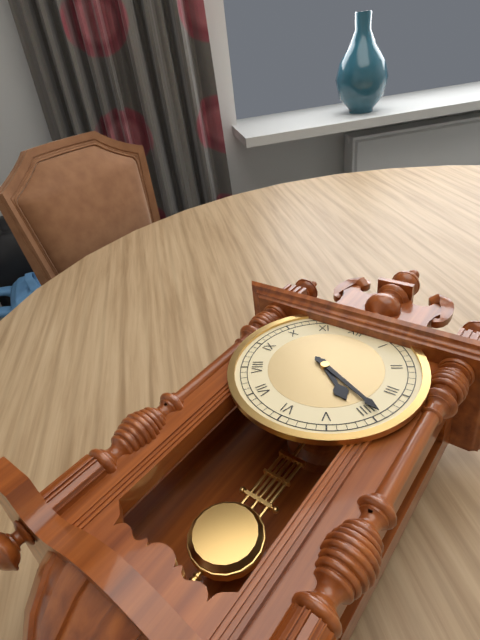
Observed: 4h19
